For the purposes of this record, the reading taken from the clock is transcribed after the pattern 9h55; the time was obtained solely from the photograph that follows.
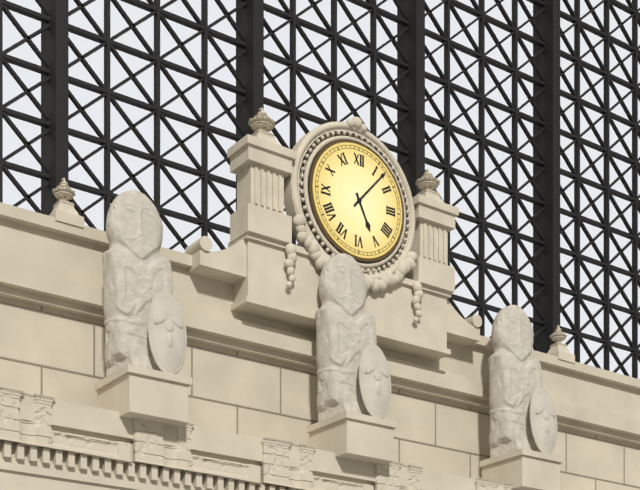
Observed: 5h07
